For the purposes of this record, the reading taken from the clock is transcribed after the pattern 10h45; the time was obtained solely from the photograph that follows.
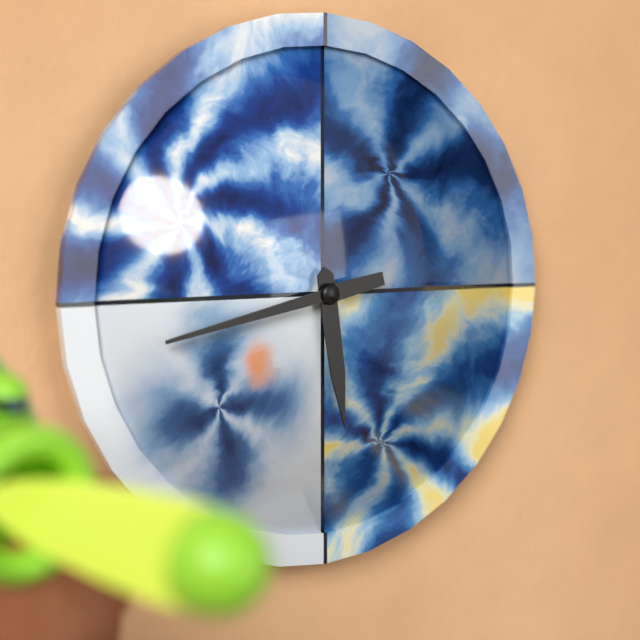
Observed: 5h43
